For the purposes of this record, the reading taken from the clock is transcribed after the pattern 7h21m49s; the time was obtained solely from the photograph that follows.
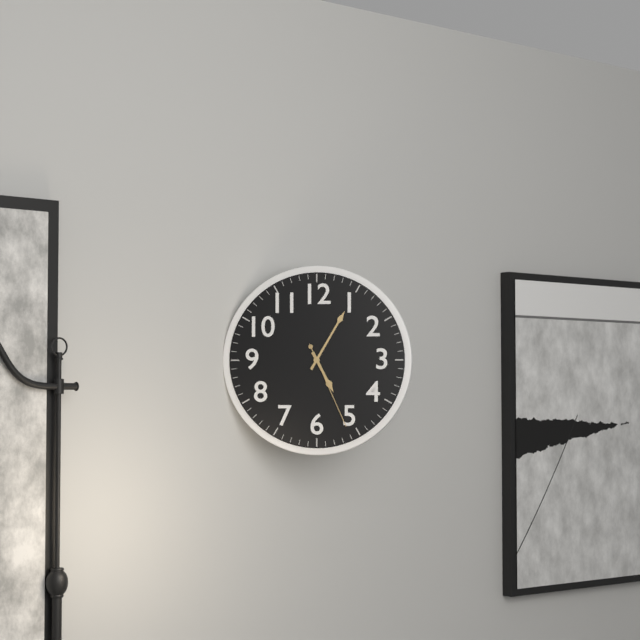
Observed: 5h05m26s
